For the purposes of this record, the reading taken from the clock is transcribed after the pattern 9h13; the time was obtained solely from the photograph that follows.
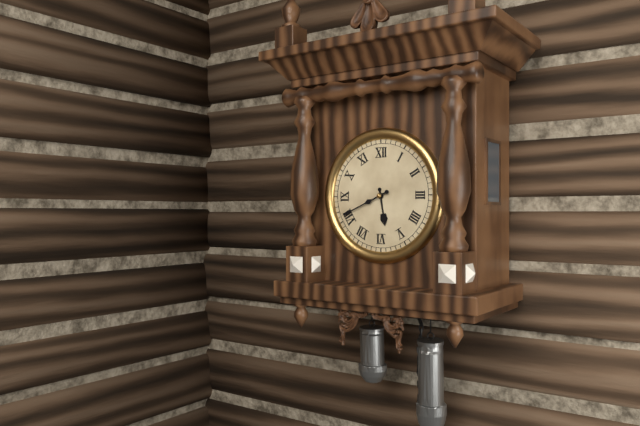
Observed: 5h41
